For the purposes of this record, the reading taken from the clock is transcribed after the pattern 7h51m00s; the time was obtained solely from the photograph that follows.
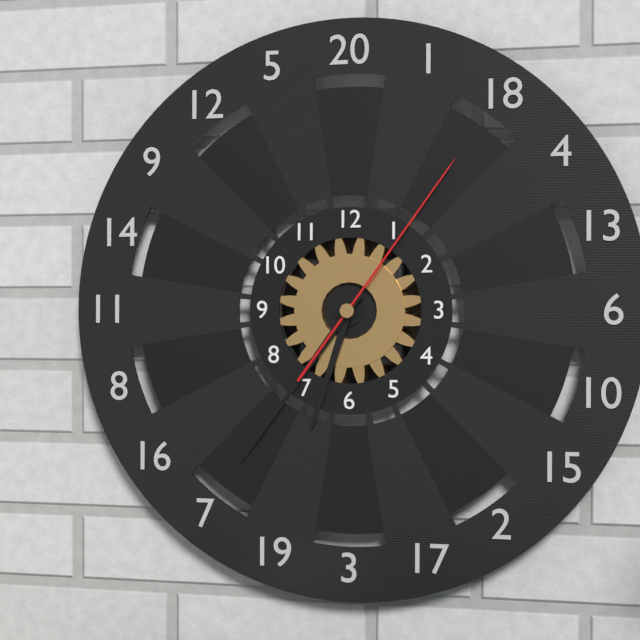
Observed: 6h36m06s
